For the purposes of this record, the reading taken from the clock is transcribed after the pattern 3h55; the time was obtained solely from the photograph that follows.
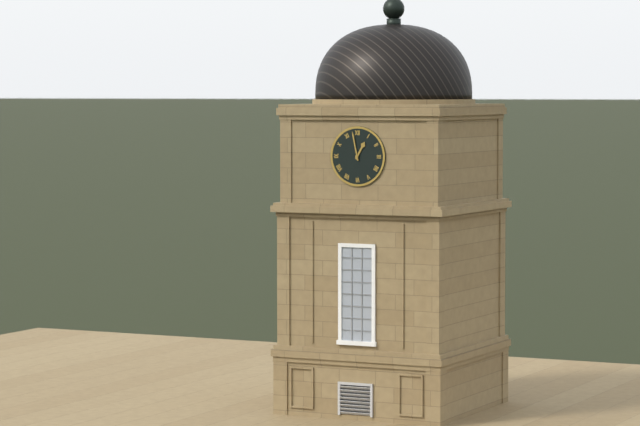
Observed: 12h58
